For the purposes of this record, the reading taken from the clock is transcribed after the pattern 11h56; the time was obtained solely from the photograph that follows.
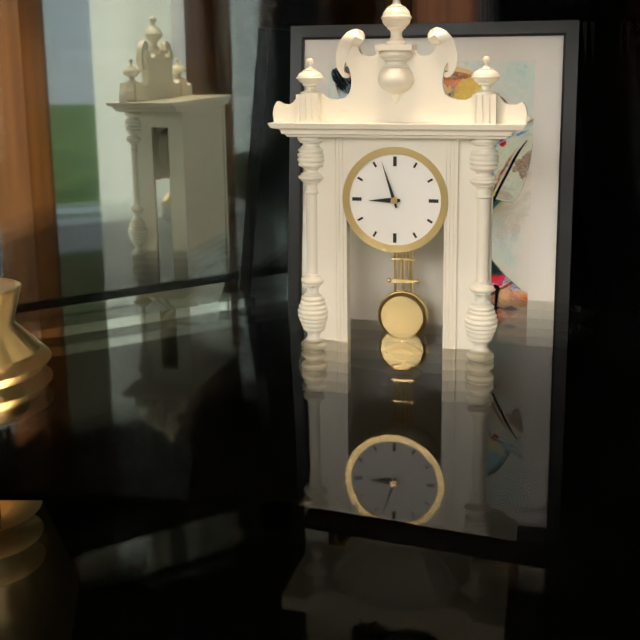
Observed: 8h57
